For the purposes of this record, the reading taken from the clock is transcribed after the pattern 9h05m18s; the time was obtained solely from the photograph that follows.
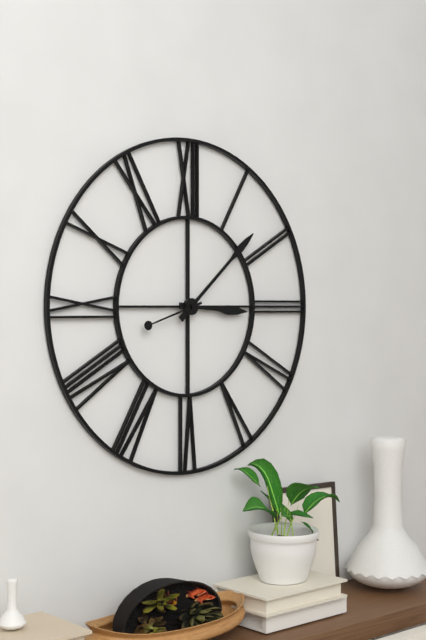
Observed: 3h08m42s
